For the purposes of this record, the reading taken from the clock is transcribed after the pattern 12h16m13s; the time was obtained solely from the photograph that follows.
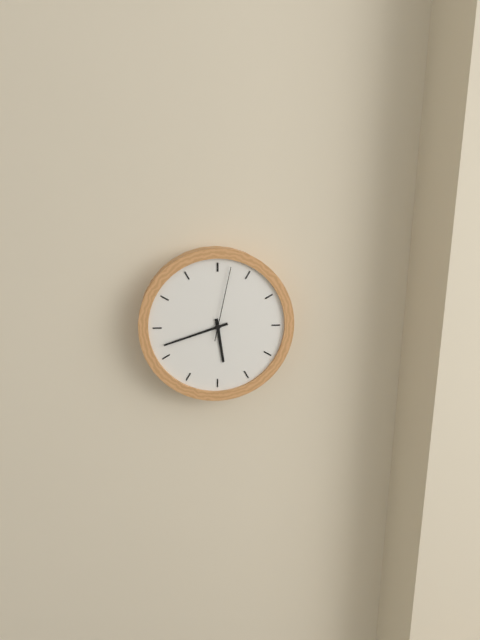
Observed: 5h42m02s
